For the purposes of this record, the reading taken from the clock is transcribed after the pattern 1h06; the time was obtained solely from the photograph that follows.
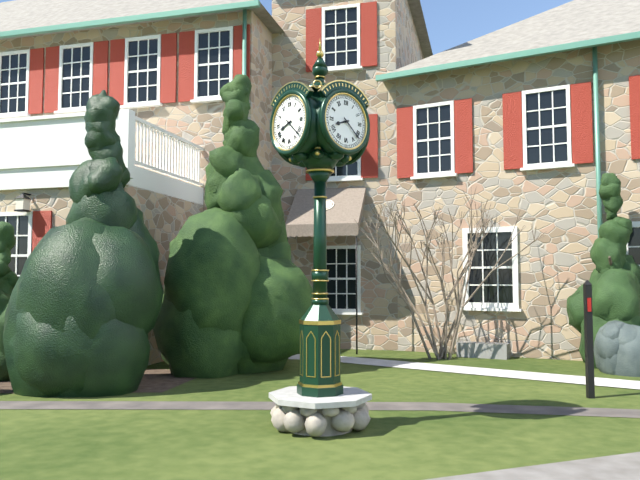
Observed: 8h22
